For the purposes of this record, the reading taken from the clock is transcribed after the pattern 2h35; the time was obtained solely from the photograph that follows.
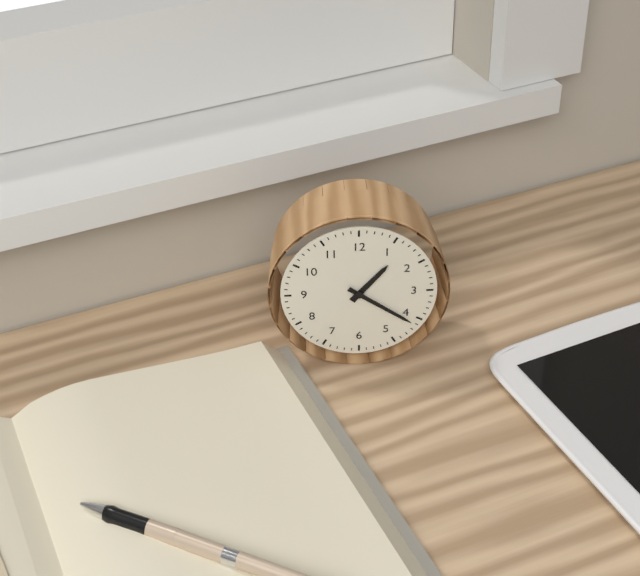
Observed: 1h21
